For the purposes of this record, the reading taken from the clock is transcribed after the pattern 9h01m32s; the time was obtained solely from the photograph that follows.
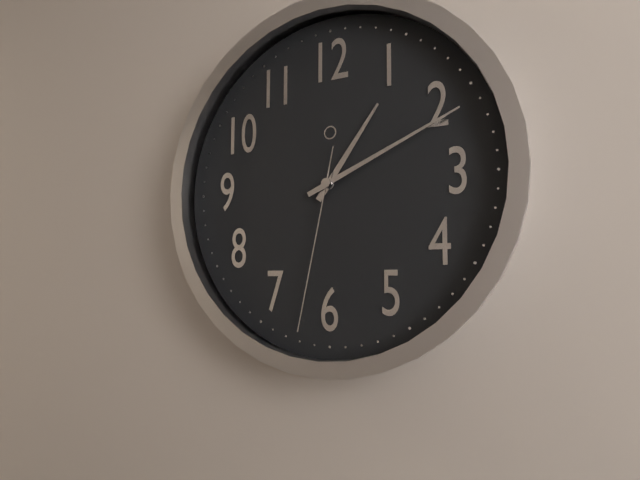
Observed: 1h11m32s
